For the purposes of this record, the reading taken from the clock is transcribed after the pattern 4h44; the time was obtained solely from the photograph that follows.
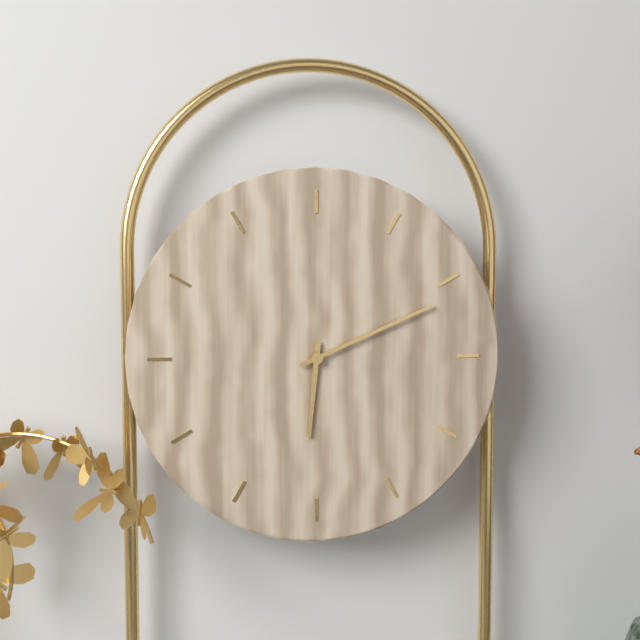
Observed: 6h11
